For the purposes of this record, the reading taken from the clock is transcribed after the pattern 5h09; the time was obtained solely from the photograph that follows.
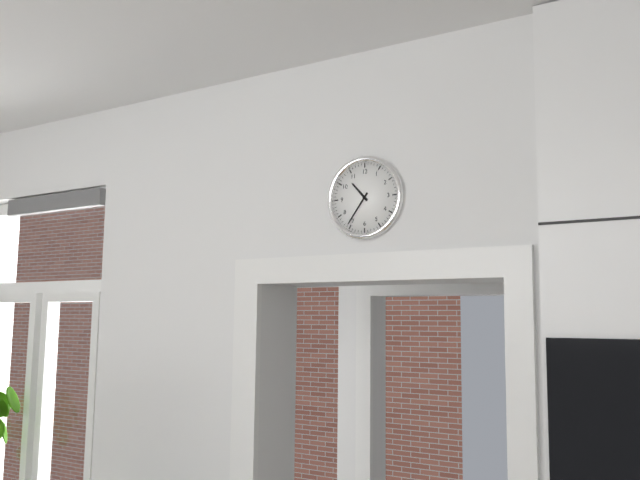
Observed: 10h36
